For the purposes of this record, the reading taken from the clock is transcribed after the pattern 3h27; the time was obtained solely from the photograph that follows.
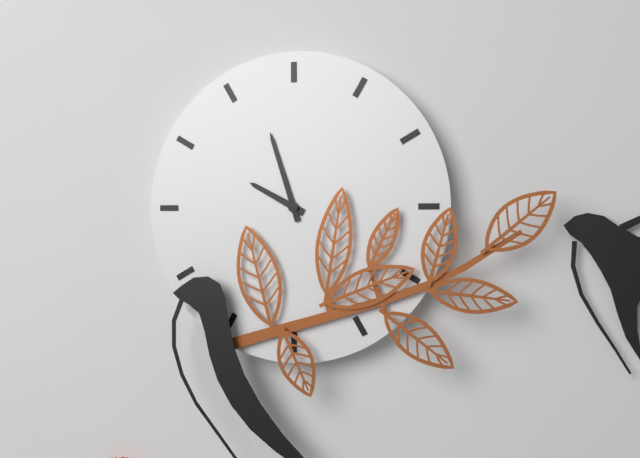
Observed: 9h57
